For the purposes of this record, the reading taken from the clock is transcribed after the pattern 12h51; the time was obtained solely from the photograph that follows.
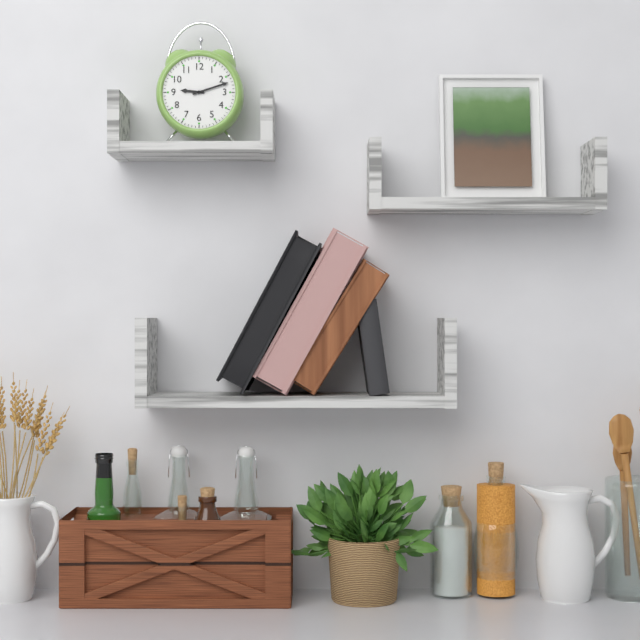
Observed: 9h12
